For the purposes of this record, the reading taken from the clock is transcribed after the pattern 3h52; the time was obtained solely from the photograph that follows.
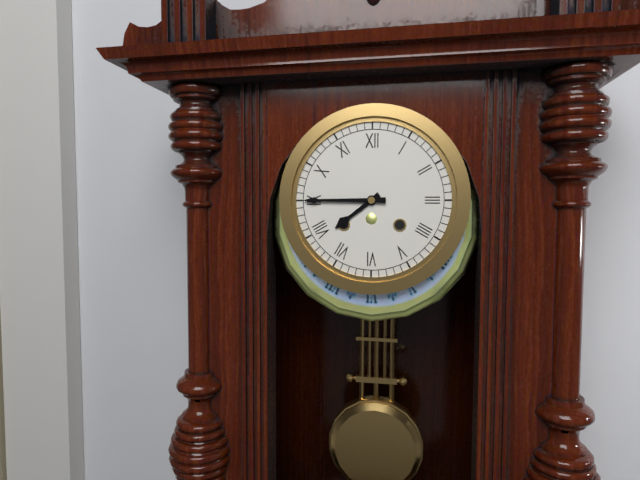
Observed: 7h45
